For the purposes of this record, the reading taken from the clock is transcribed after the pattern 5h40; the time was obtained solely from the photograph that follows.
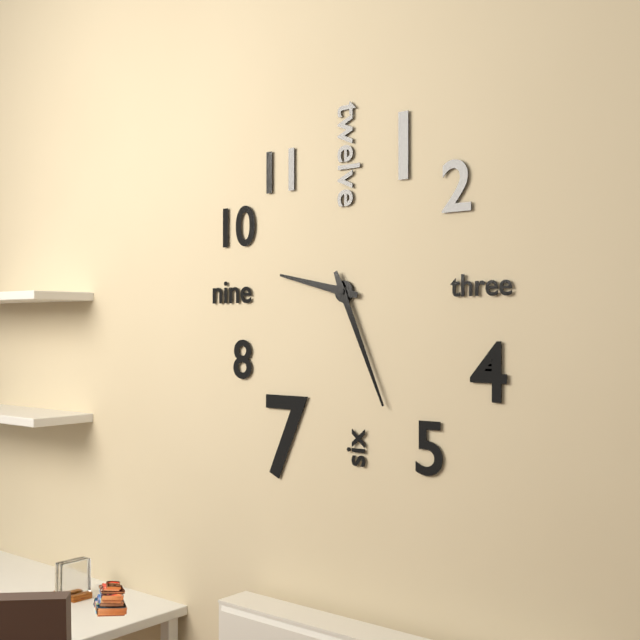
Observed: 9h26
